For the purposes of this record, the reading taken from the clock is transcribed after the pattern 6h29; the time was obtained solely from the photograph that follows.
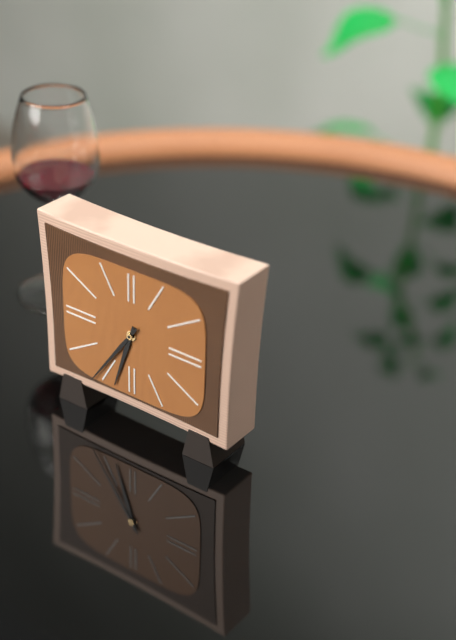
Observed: 6h36
